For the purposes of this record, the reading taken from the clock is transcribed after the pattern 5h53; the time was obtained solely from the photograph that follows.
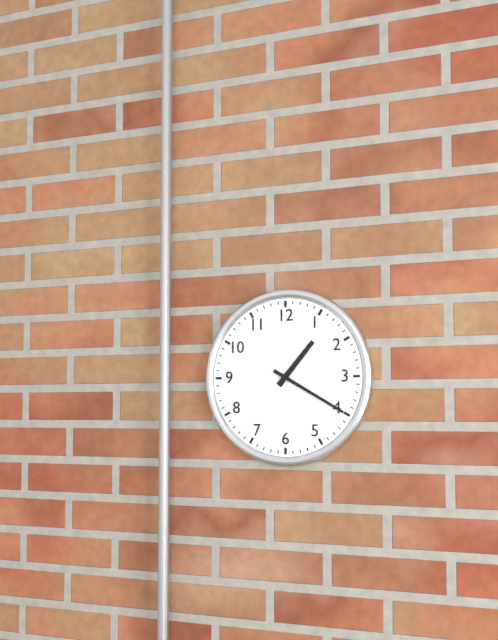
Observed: 1h20
